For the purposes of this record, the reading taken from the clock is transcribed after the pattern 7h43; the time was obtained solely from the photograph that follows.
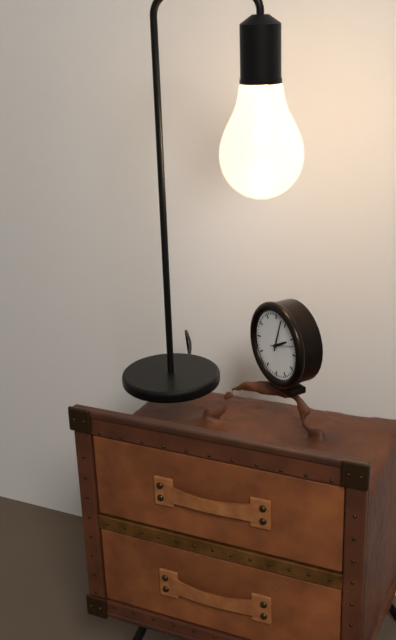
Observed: 2h03
